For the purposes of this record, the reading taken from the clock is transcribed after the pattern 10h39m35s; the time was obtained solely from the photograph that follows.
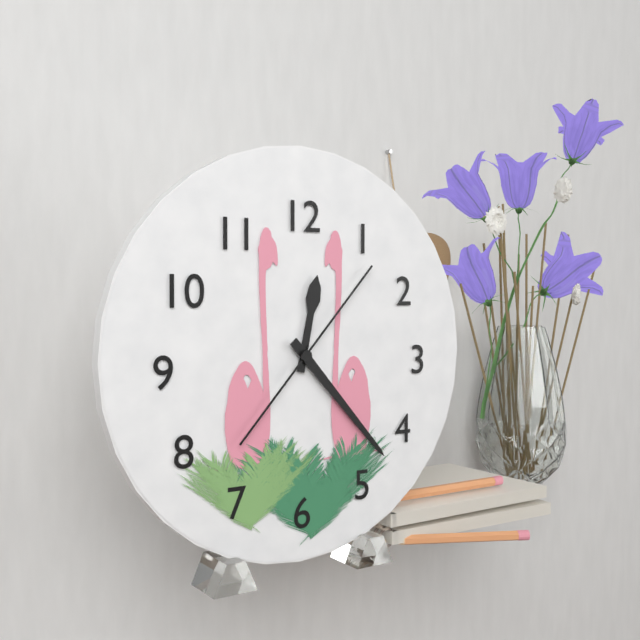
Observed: 12h23m07s
